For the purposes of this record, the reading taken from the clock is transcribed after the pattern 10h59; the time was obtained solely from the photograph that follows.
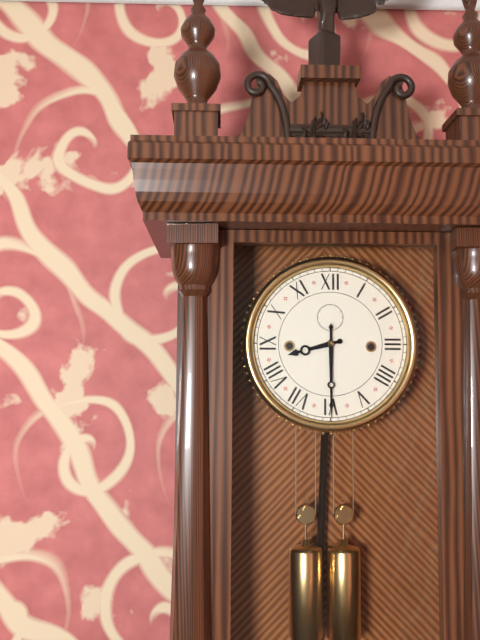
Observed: 8h30
